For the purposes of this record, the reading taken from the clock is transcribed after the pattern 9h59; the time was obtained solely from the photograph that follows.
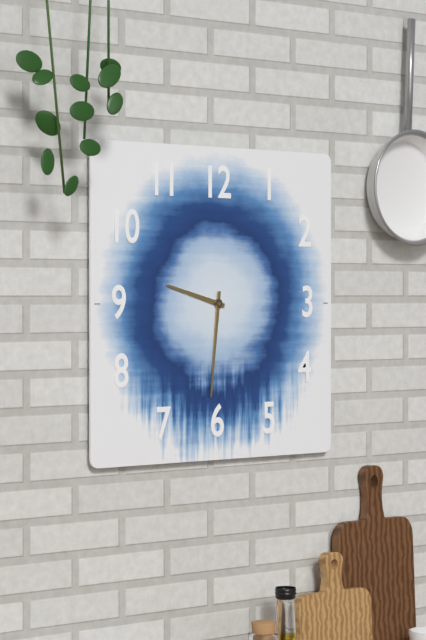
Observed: 9h31
